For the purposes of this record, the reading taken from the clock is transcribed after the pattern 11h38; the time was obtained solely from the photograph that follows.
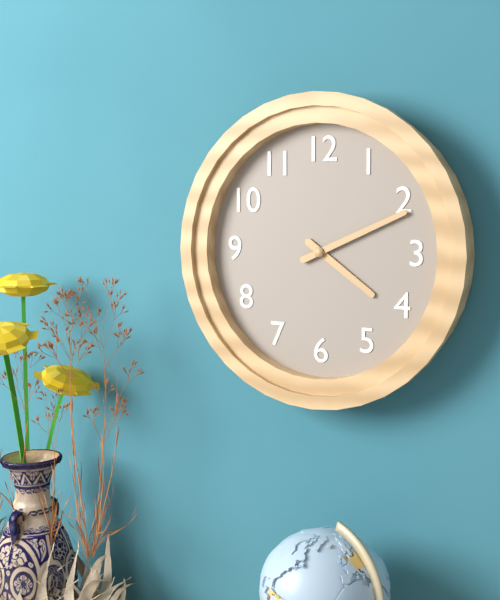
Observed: 4h11
